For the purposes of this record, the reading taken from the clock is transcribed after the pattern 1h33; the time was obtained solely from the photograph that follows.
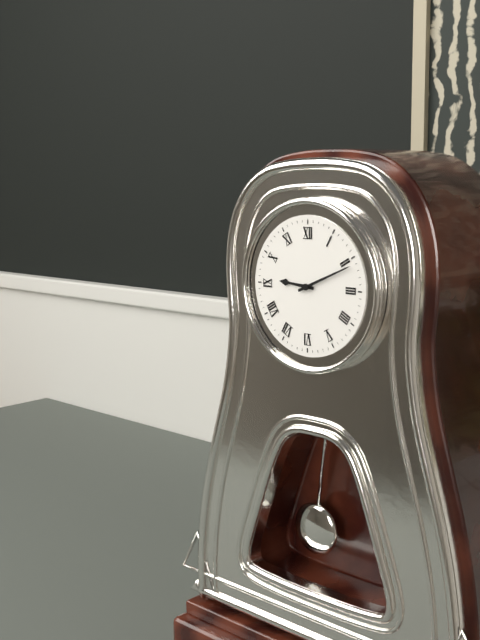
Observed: 9h11
